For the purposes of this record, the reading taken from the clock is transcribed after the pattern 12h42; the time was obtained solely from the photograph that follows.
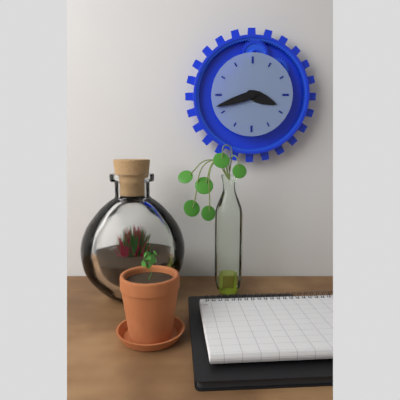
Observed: 3h42
